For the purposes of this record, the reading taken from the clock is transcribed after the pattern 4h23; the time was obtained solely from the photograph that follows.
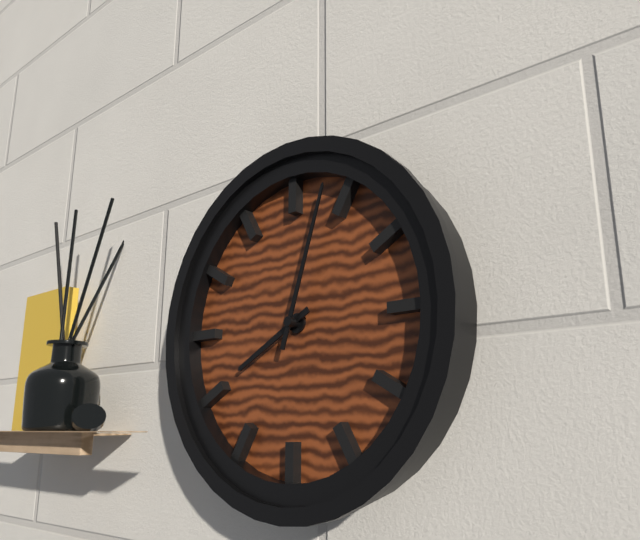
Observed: 8h03
